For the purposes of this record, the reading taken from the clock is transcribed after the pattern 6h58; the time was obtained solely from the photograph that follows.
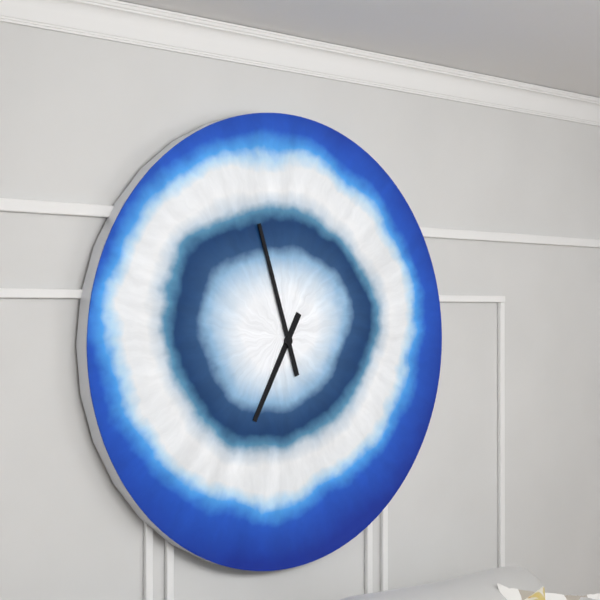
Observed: 6h57
